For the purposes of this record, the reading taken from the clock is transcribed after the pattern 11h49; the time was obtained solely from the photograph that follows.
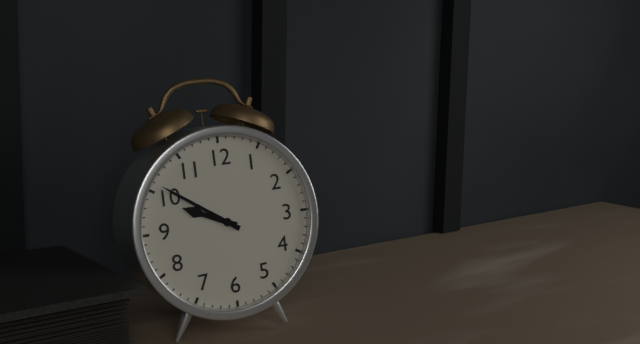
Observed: 9h51
